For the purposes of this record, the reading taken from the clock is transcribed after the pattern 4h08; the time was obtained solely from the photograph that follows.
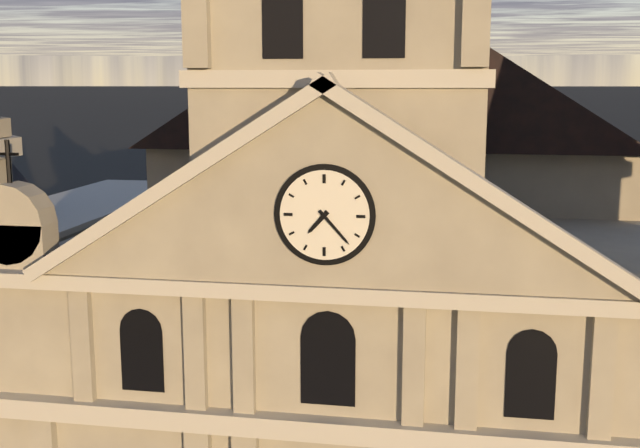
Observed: 7h23
